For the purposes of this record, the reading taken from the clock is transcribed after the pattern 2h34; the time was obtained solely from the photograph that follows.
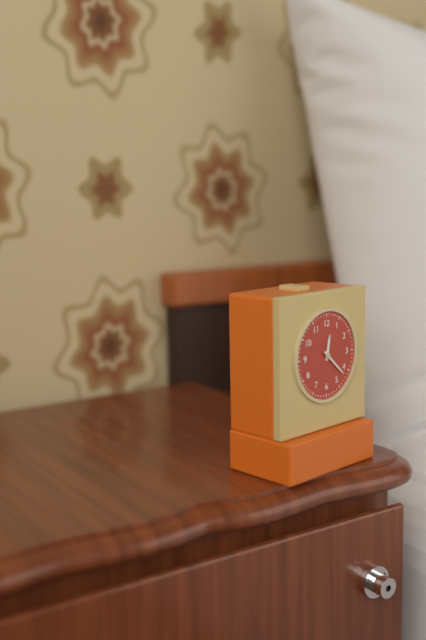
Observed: 12h22
